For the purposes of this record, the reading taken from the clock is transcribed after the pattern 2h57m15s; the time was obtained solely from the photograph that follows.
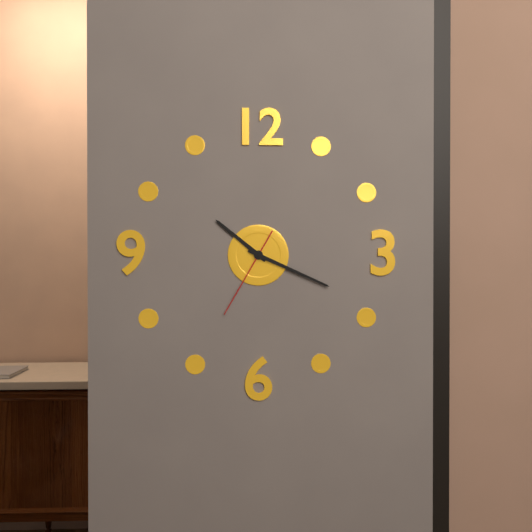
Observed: 10h19m35s
